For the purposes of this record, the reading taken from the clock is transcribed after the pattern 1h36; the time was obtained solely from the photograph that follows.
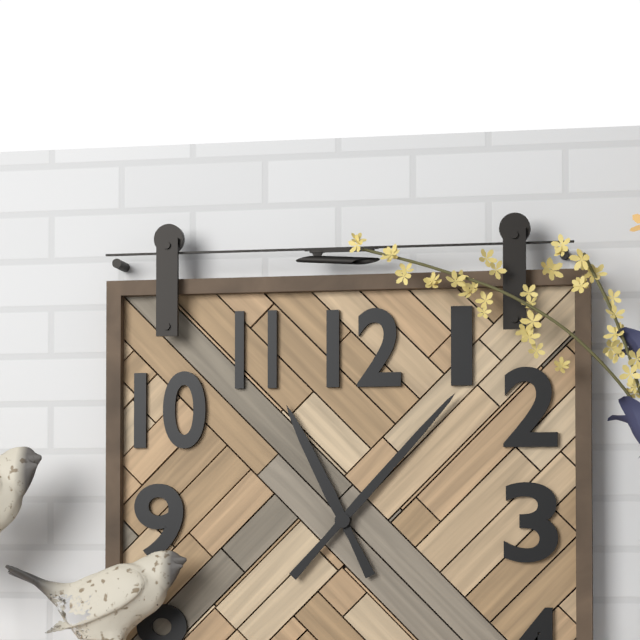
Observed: 11h07
